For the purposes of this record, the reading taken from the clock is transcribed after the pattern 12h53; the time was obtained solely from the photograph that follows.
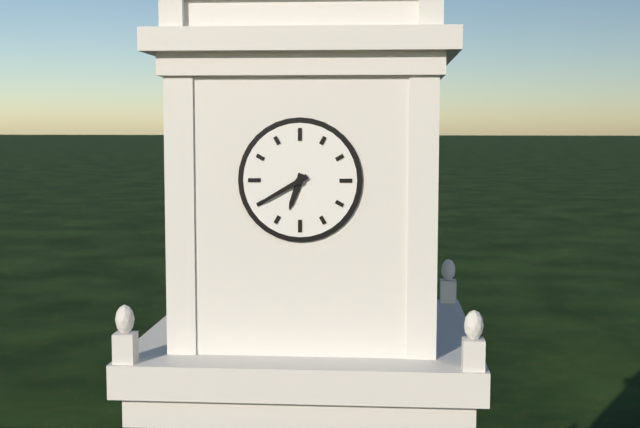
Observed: 6h40
